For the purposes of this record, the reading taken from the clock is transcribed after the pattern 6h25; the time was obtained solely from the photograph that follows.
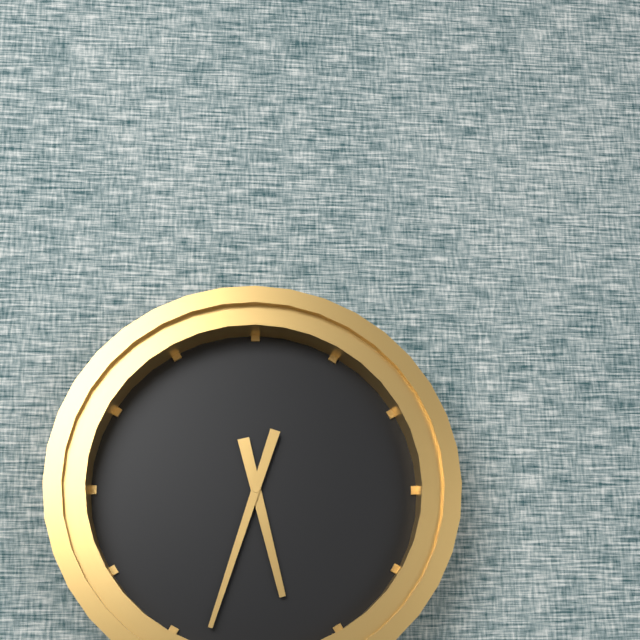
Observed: 5h33
